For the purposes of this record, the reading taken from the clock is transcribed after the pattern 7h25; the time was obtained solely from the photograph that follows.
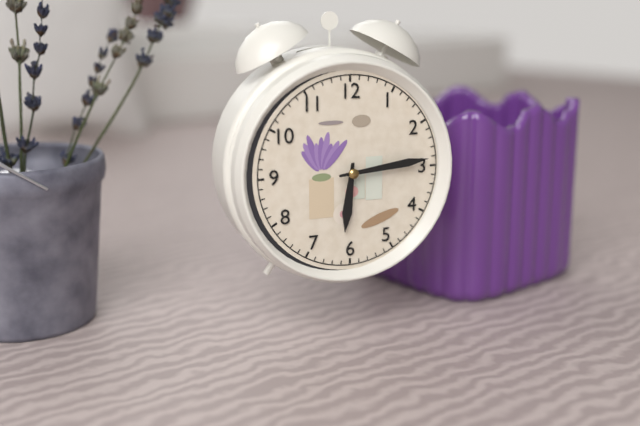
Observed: 6h14
